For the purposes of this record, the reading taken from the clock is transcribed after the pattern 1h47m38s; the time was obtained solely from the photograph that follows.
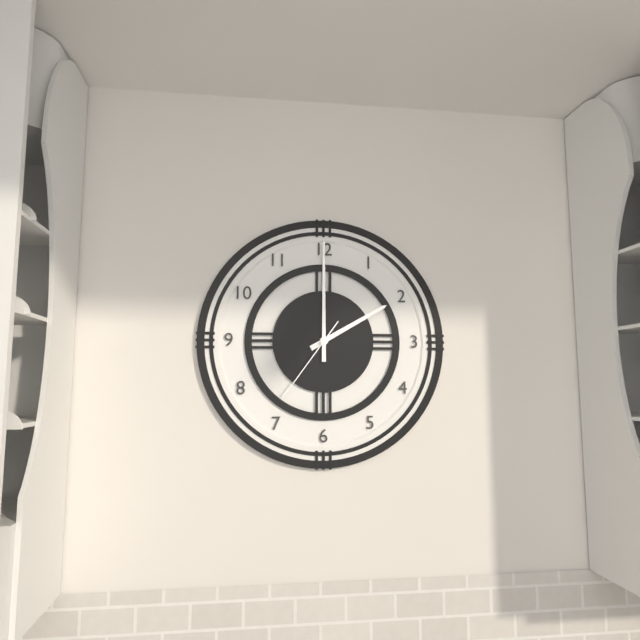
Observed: 2h00m36s
